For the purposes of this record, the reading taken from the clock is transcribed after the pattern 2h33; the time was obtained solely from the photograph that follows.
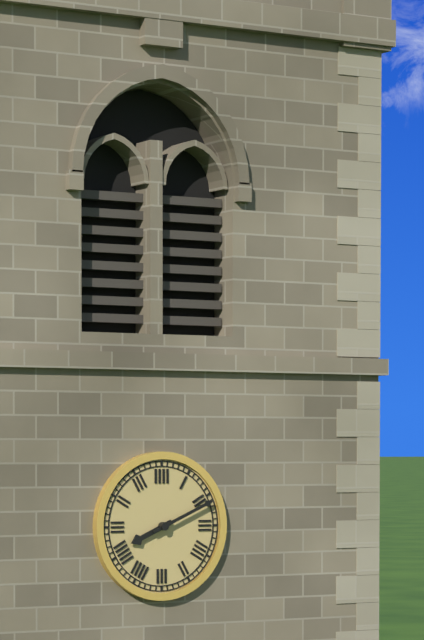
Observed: 8h11
